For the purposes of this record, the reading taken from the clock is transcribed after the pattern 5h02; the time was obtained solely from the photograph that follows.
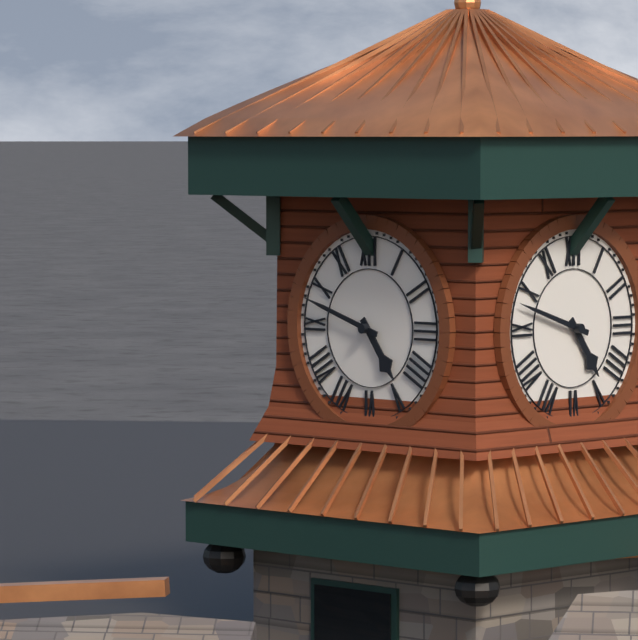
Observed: 4h48
